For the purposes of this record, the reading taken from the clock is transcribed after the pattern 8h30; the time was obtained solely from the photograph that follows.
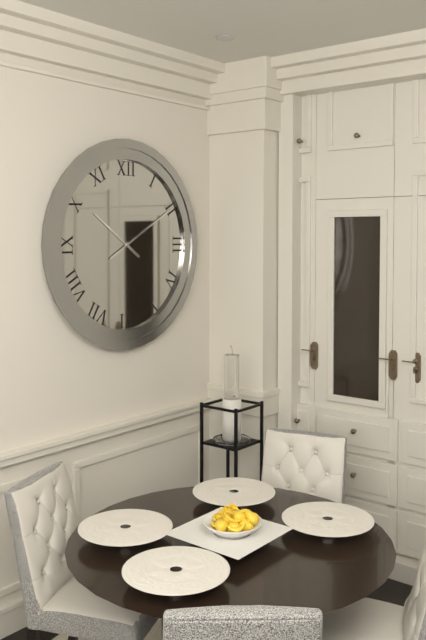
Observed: 10h10
